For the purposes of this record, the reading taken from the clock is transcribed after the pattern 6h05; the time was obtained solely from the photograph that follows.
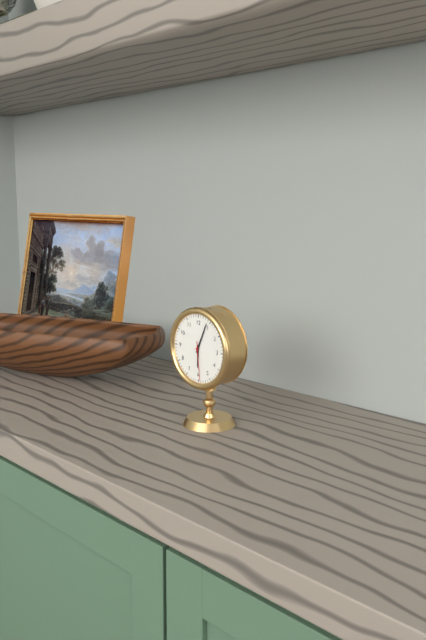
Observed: 6h04
